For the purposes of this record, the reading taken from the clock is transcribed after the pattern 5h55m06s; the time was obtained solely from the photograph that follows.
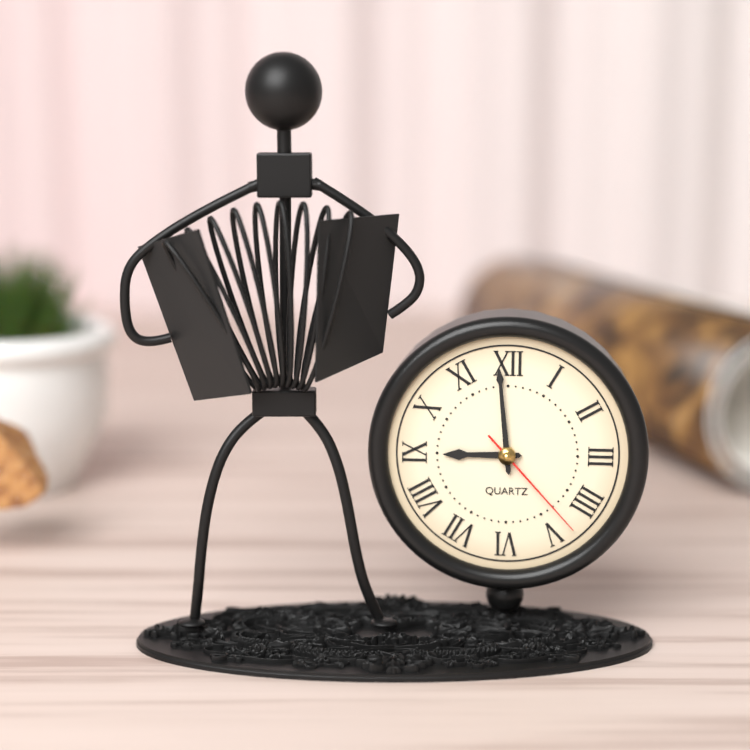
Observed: 8h59m23s
